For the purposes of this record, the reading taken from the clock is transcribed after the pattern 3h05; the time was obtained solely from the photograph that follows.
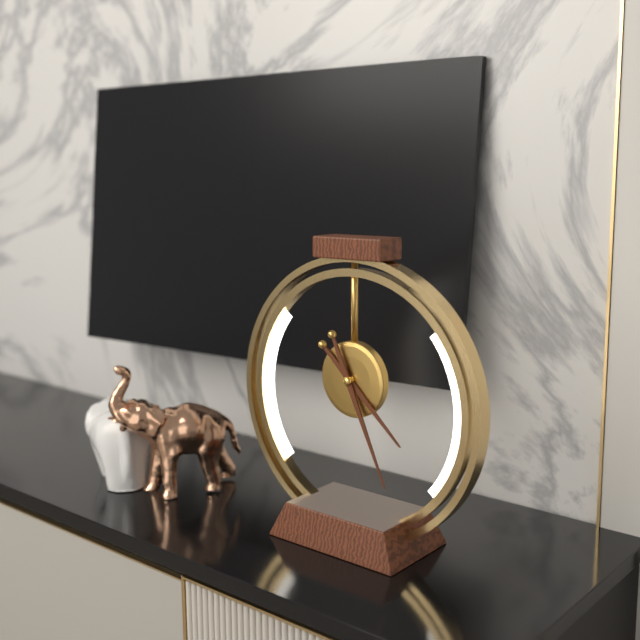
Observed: 4h26
